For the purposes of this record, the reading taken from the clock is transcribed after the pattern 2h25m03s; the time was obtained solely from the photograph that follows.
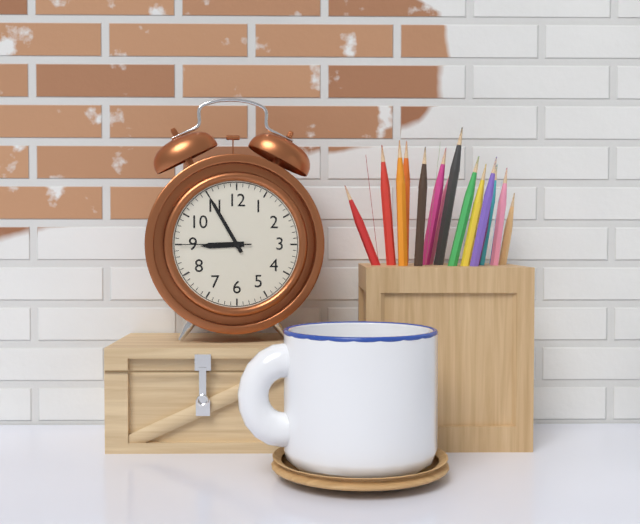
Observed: 8h55m45s
